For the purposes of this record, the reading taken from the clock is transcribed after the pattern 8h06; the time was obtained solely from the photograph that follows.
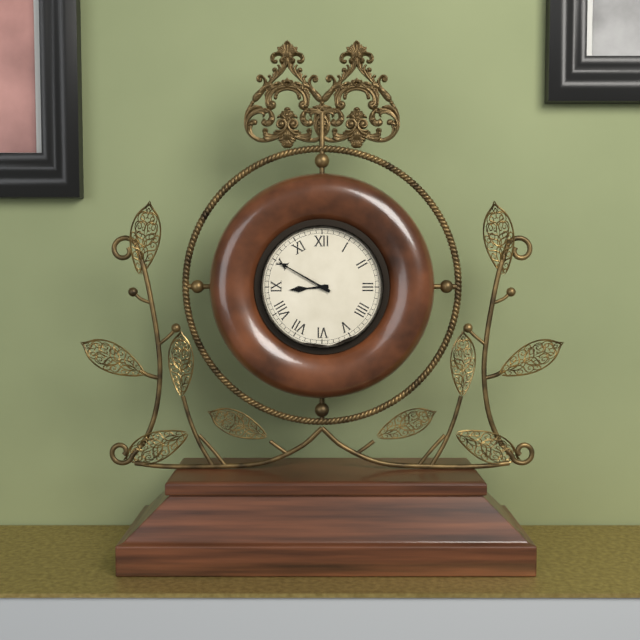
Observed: 8h50
